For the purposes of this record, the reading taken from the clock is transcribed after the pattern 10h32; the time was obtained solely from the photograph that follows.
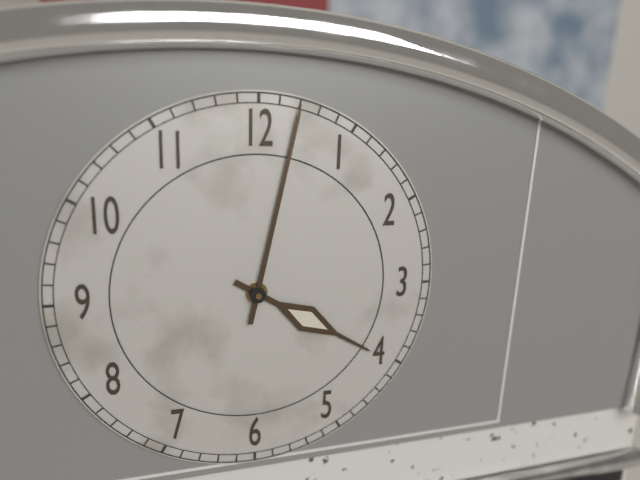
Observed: 4h02
